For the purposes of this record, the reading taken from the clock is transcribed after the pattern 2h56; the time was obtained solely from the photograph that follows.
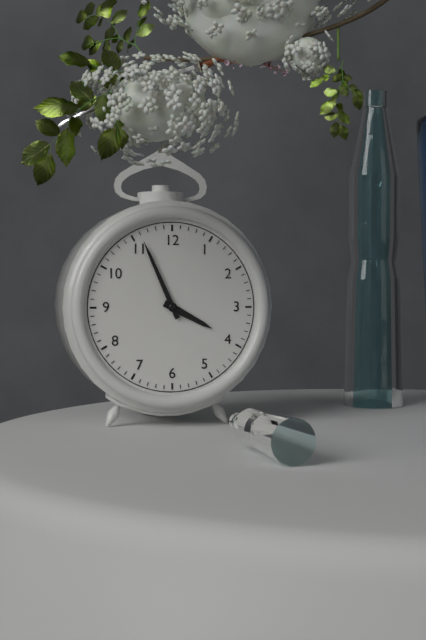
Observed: 3h56
